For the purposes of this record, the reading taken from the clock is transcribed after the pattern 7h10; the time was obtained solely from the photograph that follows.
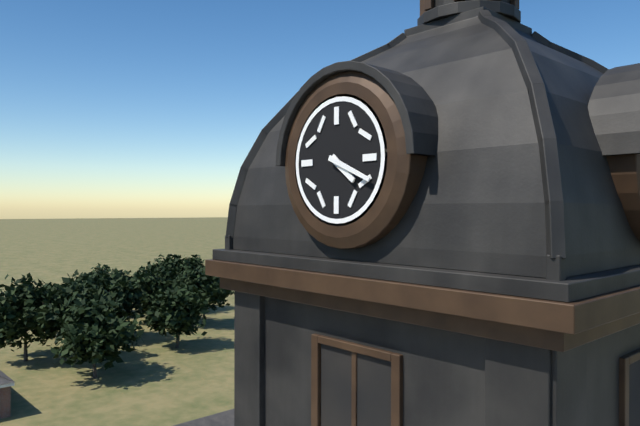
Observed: 4h19
